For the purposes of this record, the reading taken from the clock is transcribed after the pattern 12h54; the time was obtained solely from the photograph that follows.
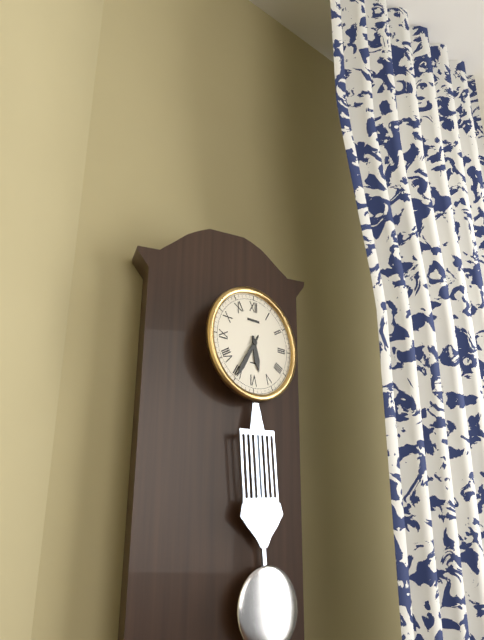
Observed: 5h35
